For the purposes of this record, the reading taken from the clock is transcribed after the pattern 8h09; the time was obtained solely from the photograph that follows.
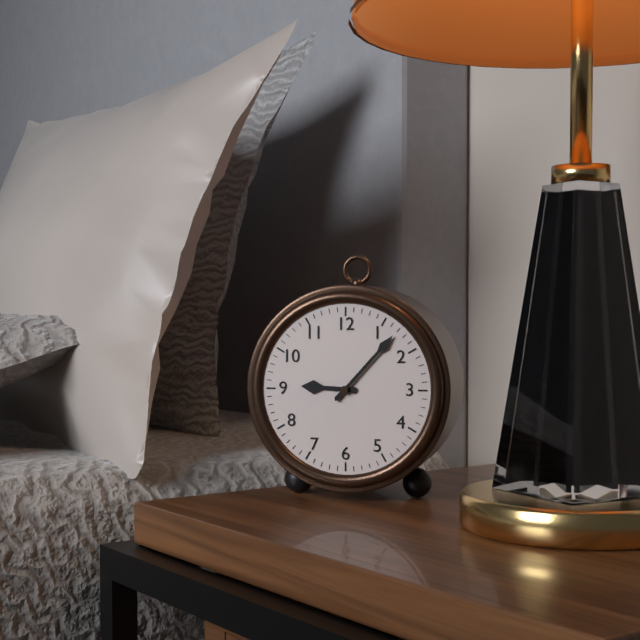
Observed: 9h07
